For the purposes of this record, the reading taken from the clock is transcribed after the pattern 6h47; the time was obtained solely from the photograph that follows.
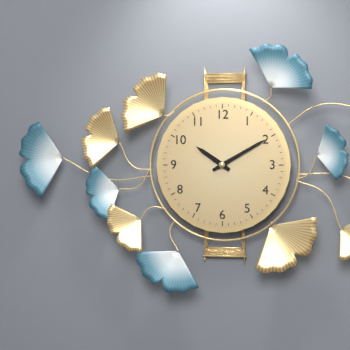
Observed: 10h10
